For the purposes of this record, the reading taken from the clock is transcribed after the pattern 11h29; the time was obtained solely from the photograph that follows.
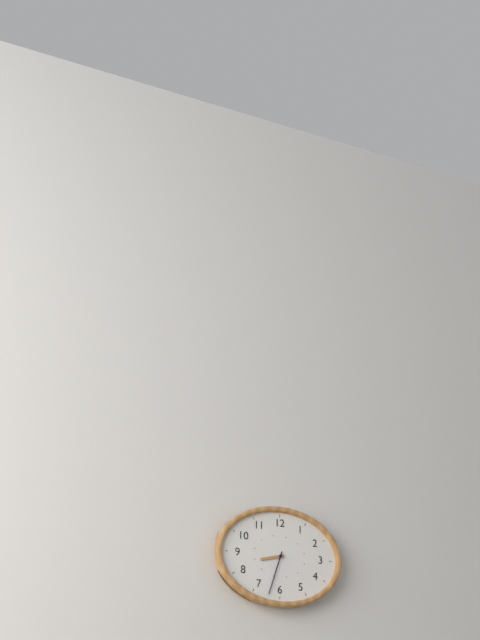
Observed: 8h33
